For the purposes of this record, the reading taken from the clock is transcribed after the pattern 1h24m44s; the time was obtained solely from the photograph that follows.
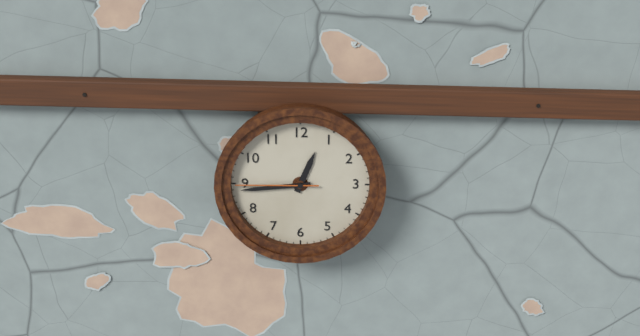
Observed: 12h44m45s
